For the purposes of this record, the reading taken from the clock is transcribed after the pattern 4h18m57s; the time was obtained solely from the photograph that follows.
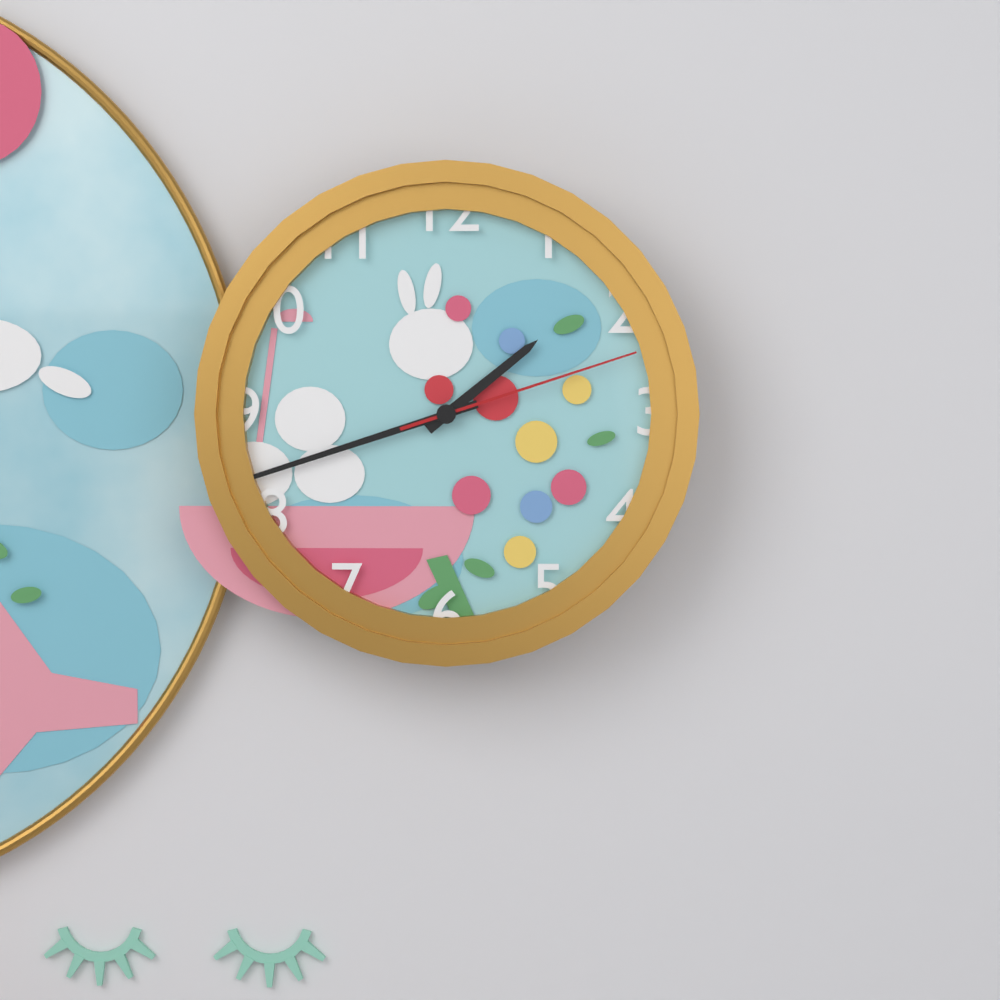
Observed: 1h42m12s
